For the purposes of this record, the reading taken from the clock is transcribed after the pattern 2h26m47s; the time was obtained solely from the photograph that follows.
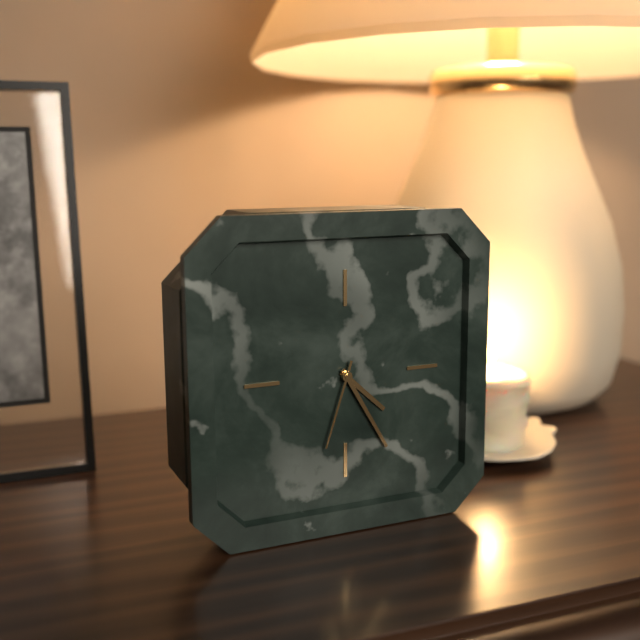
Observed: 4h25m33s
